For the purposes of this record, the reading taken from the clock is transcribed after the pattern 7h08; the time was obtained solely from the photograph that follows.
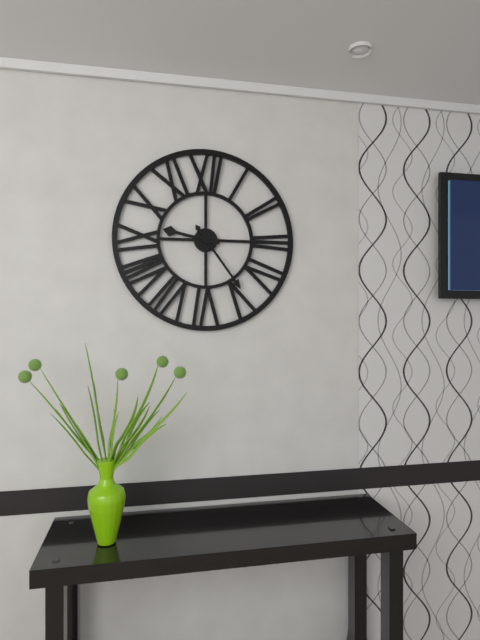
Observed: 9h24
